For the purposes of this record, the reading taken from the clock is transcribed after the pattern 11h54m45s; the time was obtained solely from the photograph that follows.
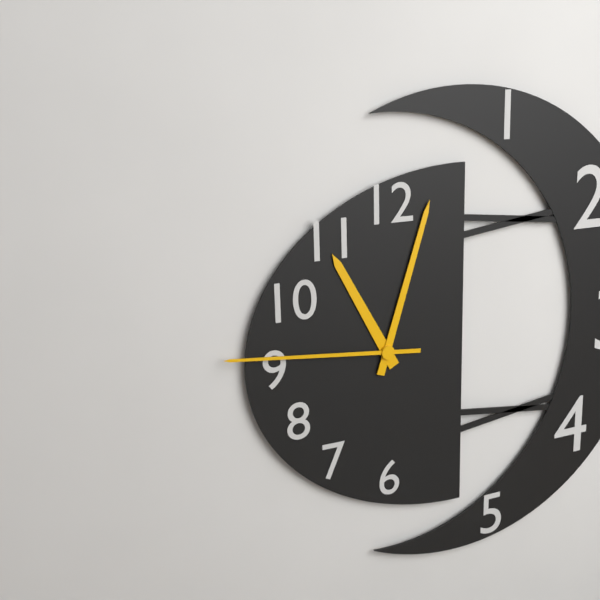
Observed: 11h03m46s
